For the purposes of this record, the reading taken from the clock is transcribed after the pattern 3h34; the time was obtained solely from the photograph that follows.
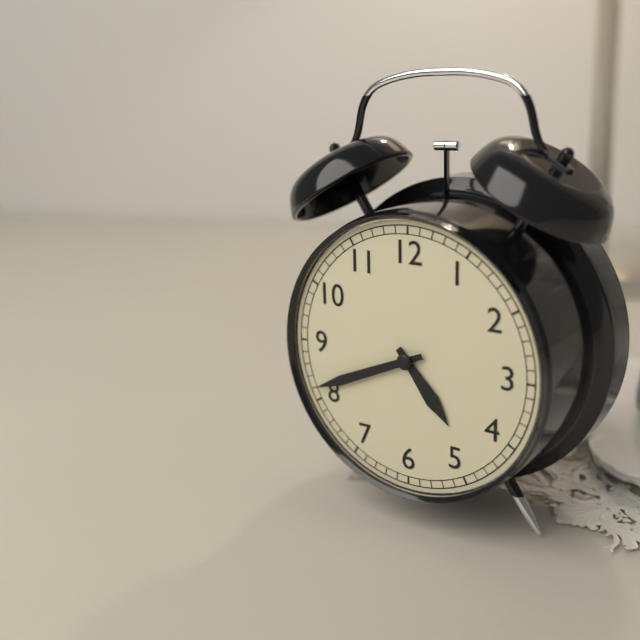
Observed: 4h41
